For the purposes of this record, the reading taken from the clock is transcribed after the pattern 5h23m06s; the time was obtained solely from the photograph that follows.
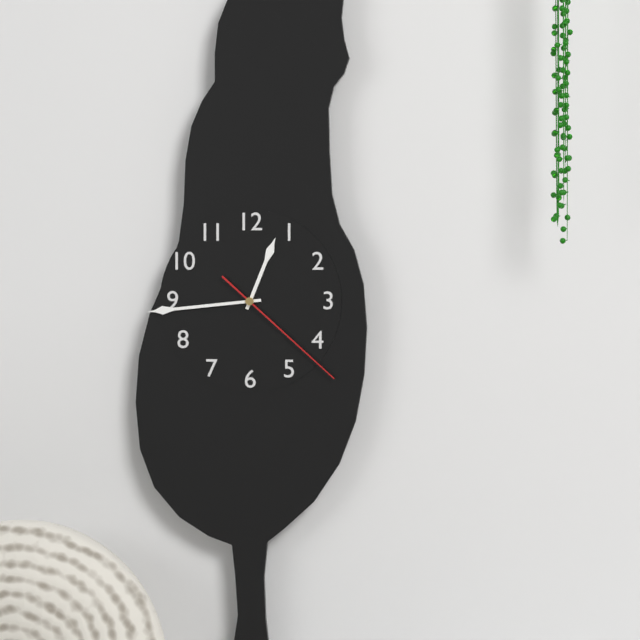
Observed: 12h44m22s
